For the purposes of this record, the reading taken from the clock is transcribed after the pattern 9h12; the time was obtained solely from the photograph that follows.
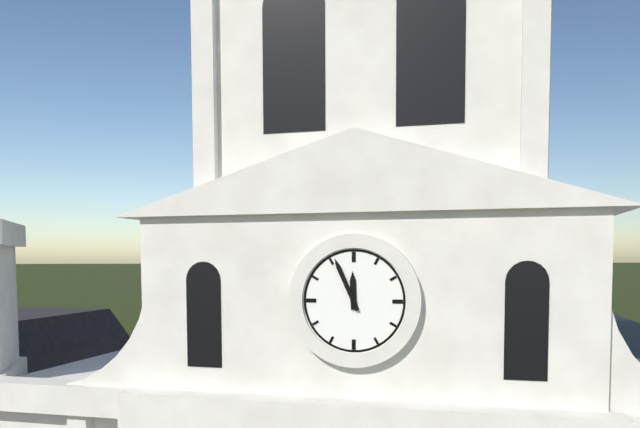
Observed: 11h56
